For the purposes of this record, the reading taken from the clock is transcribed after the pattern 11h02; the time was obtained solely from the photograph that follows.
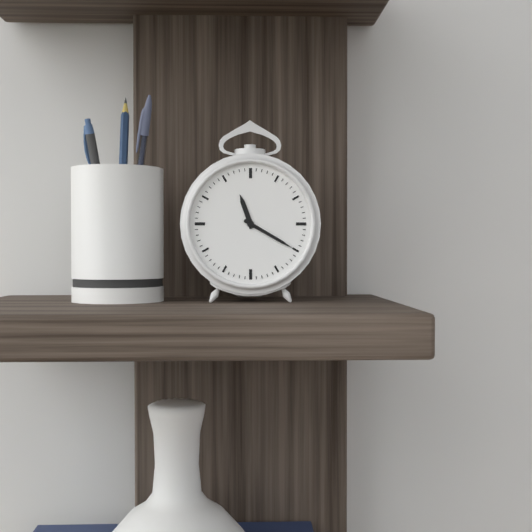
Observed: 11h20
